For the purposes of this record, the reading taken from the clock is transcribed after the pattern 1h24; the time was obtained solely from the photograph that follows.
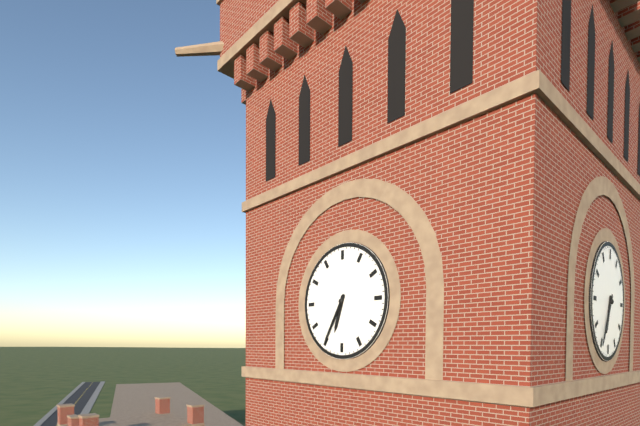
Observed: 6h35
